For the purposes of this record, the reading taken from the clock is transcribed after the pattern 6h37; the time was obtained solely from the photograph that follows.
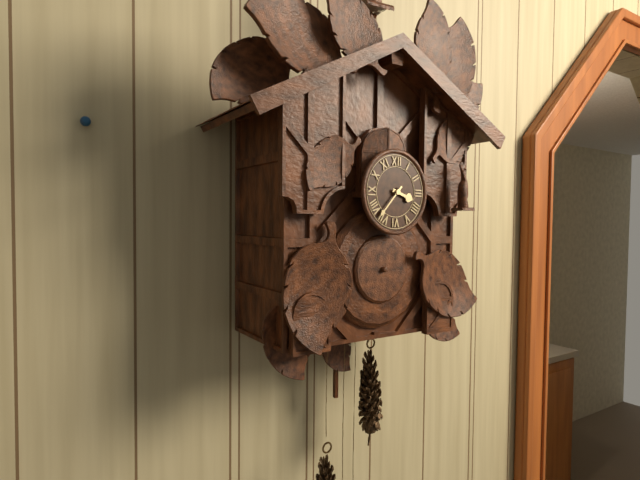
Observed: 3h37
